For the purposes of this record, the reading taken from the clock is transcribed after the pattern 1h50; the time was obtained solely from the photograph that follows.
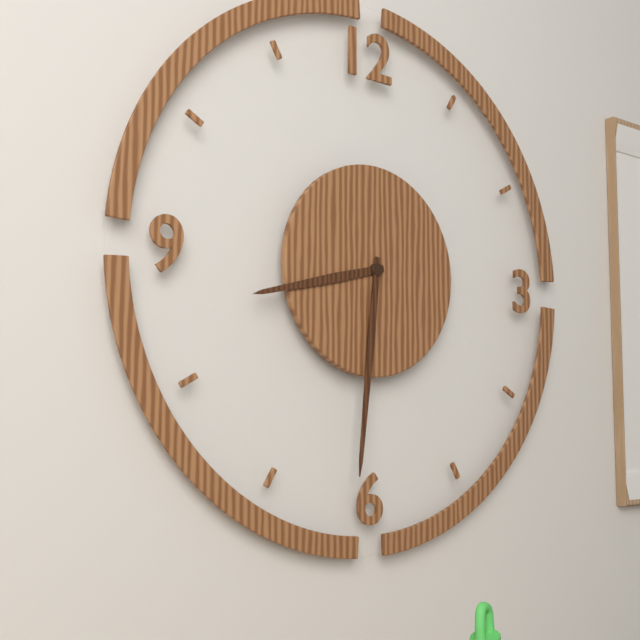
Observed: 8h31
